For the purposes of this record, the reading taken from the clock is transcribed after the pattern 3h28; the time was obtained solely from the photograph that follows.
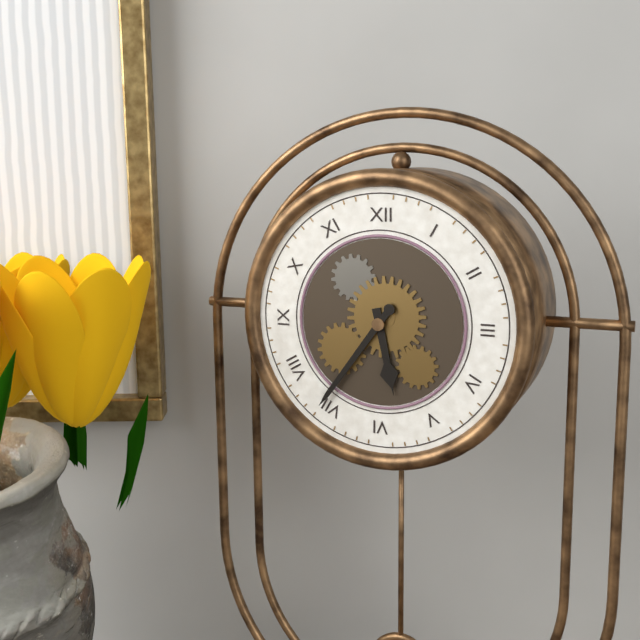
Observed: 5h36
